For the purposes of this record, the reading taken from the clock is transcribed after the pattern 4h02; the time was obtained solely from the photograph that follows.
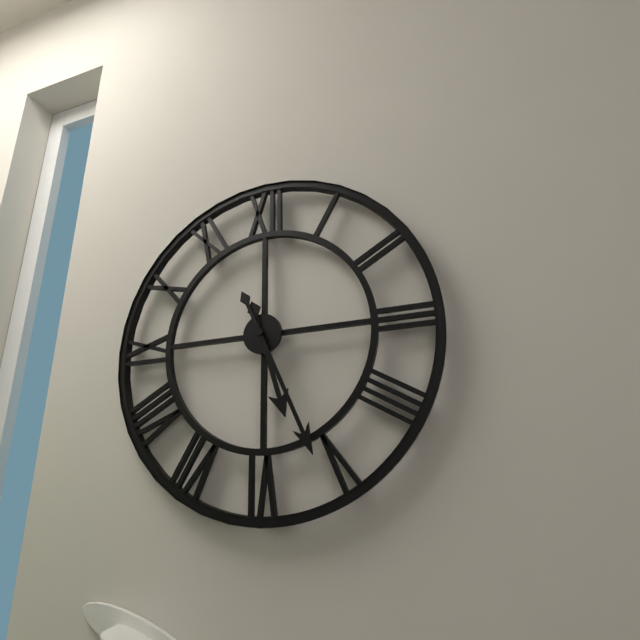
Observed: 5h26
